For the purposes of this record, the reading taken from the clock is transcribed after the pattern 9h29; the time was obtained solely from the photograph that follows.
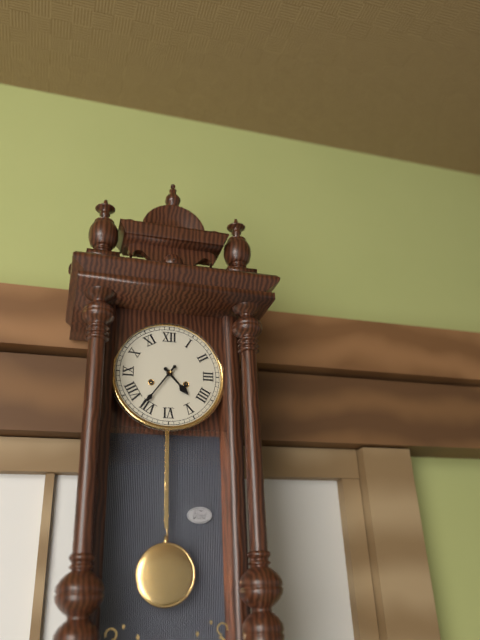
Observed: 4h36
